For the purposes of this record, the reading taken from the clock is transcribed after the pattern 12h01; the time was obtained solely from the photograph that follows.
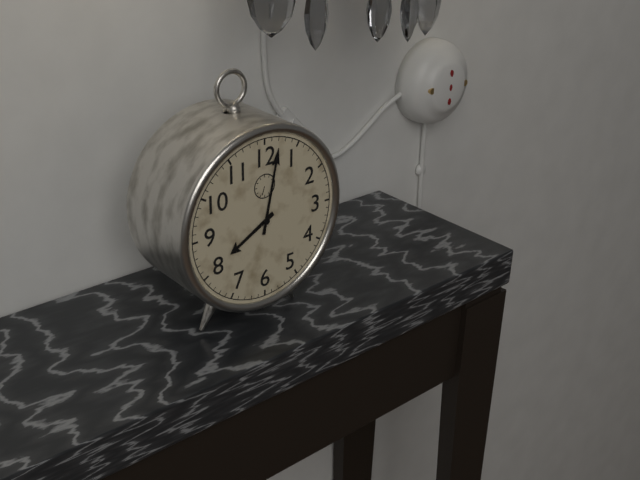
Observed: 8h02
